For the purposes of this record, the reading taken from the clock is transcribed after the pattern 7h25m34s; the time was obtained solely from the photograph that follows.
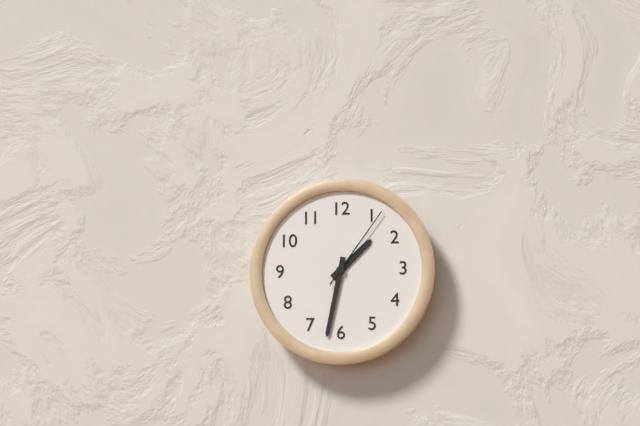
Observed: 1h32m06s
